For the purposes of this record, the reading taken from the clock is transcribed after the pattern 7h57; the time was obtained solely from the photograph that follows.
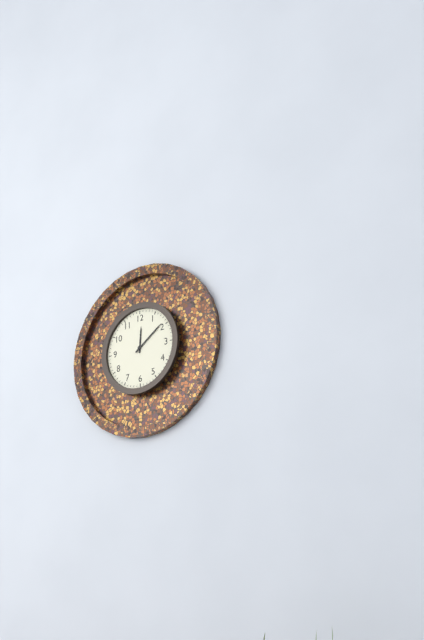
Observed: 12h09
